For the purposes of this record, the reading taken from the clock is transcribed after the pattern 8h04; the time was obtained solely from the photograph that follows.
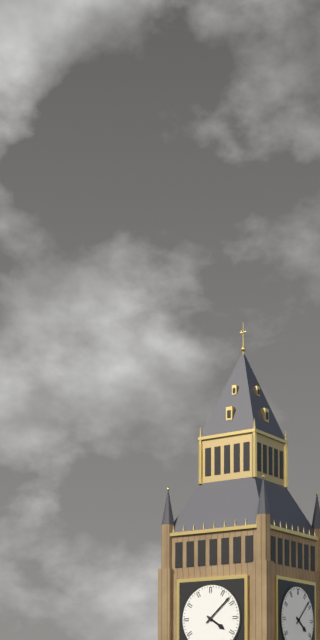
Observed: 4h08
